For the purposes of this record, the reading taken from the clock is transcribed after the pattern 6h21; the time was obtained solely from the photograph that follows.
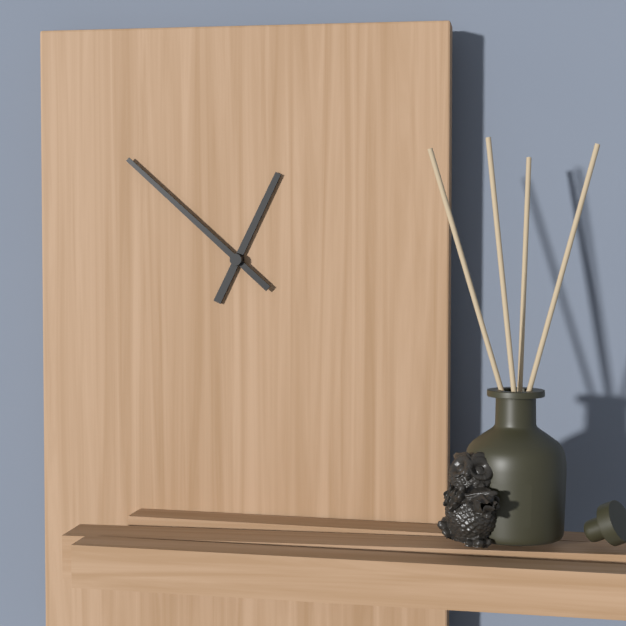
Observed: 12h52
